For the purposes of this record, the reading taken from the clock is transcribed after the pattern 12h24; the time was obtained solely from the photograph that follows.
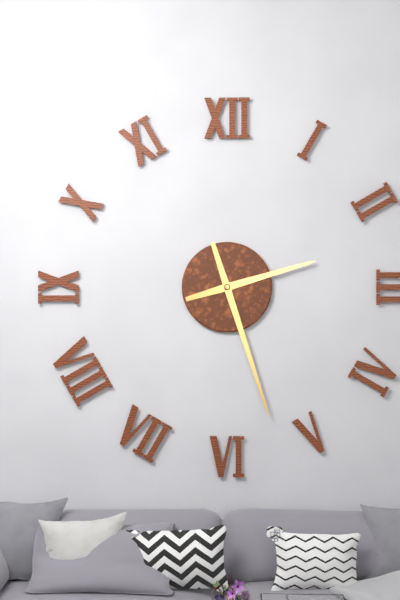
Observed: 2h27
